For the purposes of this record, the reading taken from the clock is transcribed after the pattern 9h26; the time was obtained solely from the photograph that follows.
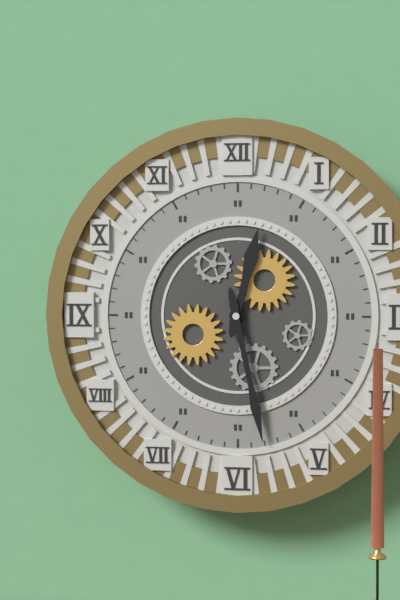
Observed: 12h28
